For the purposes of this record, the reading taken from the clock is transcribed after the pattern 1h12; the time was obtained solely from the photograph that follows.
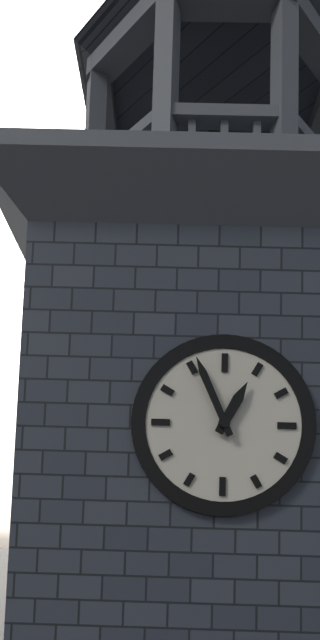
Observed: 12h56
